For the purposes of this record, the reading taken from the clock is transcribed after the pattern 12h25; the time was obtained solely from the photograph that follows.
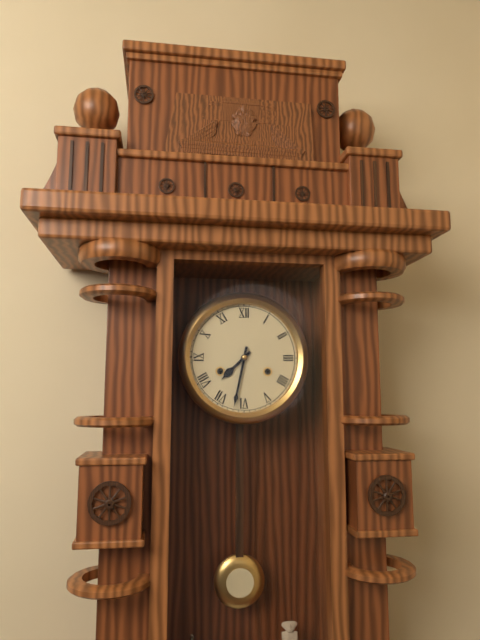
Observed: 7h32
